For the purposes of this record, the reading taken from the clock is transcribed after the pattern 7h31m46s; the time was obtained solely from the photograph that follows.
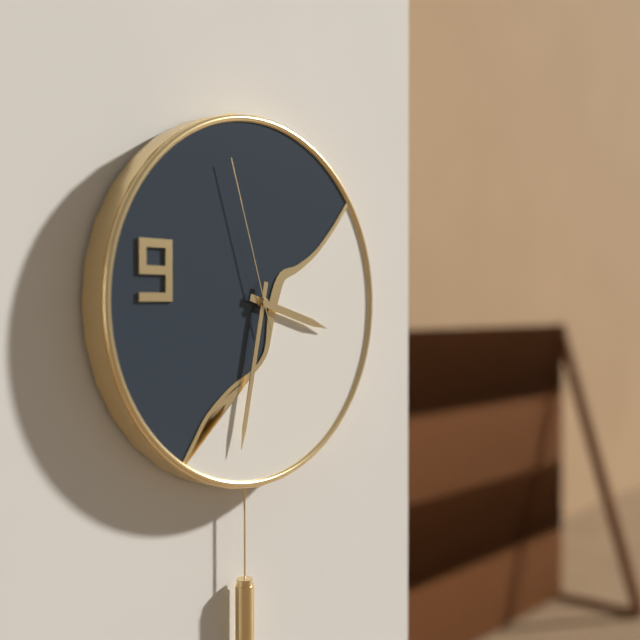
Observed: 3h32m57s
